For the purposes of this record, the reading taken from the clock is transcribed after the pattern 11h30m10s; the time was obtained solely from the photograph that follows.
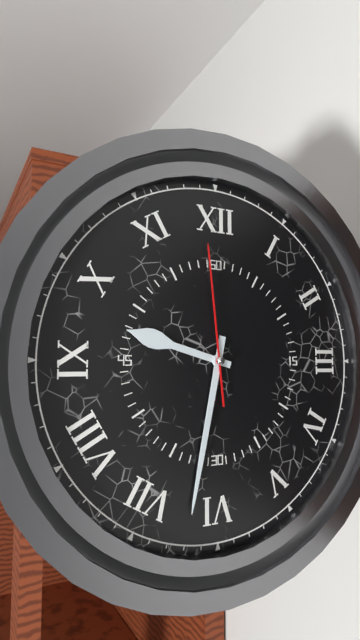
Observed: 9h32m59s
